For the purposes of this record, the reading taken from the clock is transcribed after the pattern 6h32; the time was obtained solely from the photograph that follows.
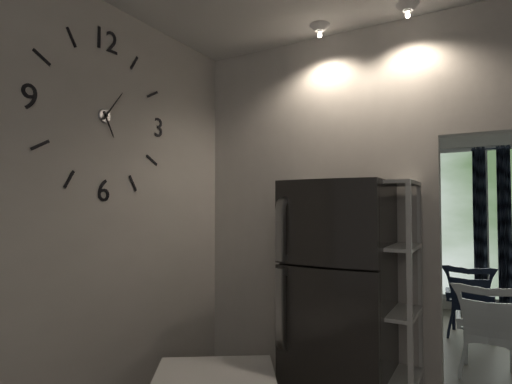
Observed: 5h06
